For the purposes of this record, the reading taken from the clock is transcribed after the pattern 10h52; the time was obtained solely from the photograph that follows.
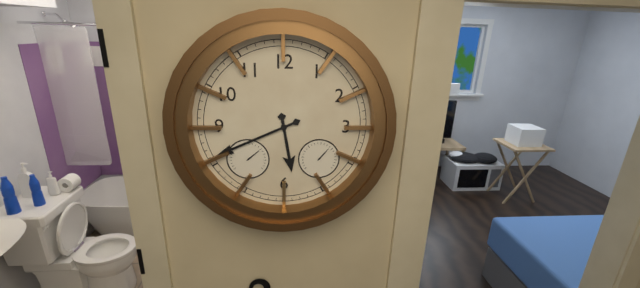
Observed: 5h41
